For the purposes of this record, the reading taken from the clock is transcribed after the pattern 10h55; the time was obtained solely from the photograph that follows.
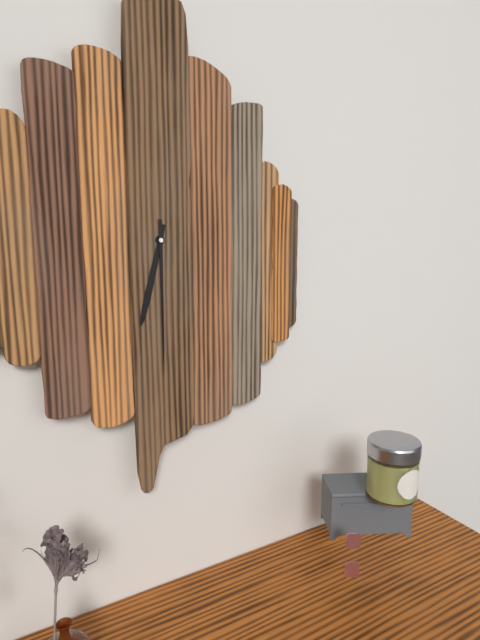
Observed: 6h30
